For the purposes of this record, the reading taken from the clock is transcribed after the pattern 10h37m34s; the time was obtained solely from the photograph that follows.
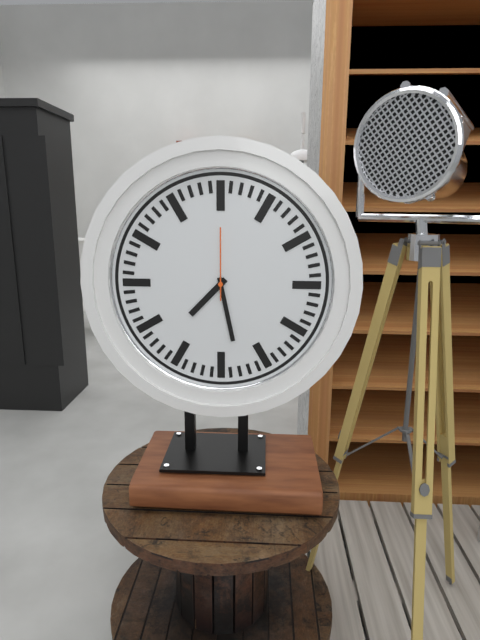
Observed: 7h28m00s
